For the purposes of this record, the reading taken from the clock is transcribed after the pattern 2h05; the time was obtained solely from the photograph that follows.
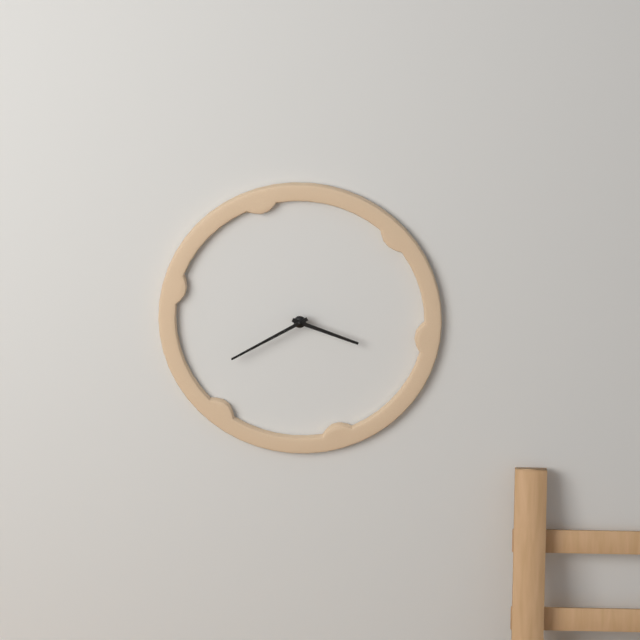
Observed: 3h40
